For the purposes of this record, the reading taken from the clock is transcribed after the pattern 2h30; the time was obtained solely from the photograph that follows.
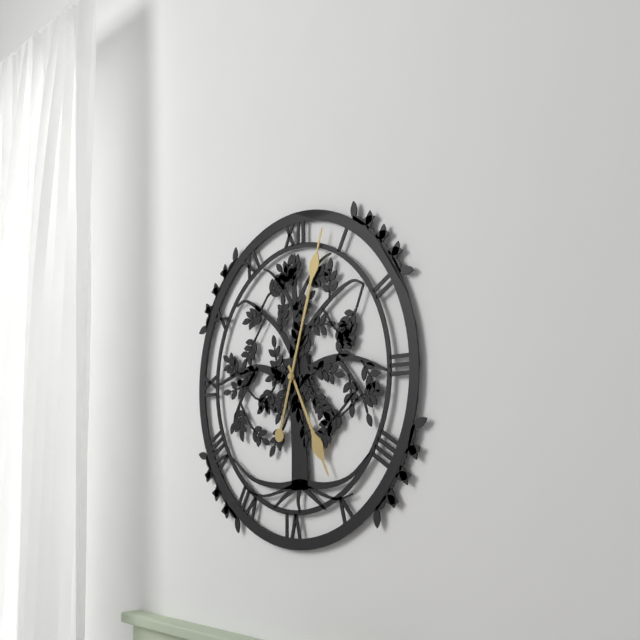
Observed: 5h03
